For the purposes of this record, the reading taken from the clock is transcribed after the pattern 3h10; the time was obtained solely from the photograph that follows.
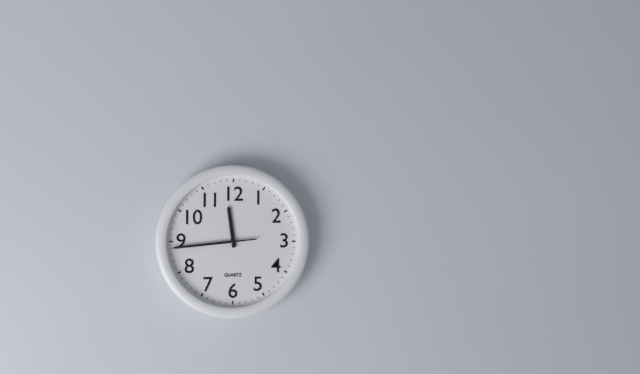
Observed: 11h44
